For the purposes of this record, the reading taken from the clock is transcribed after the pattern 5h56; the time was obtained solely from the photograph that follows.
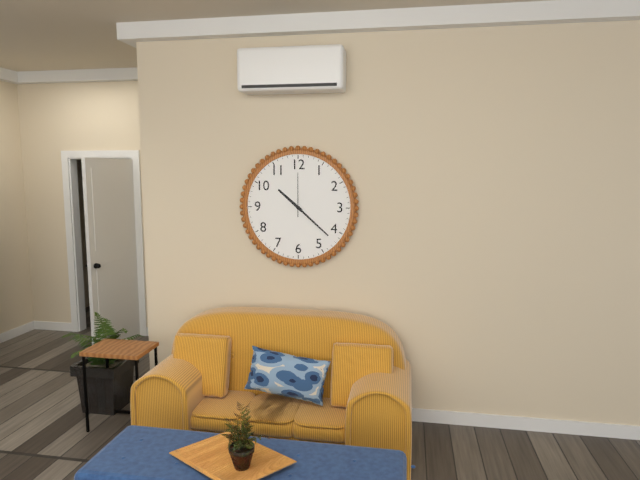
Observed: 10h22
